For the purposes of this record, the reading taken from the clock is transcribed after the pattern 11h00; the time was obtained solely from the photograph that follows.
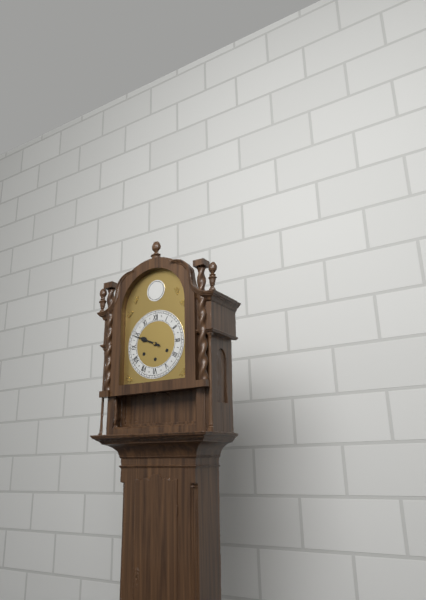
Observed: 9h49
